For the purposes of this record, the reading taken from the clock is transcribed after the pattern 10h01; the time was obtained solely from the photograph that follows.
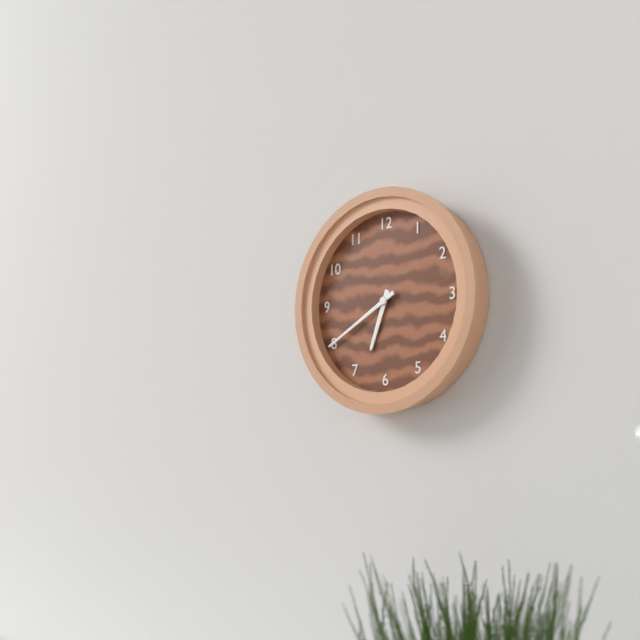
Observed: 6h40
